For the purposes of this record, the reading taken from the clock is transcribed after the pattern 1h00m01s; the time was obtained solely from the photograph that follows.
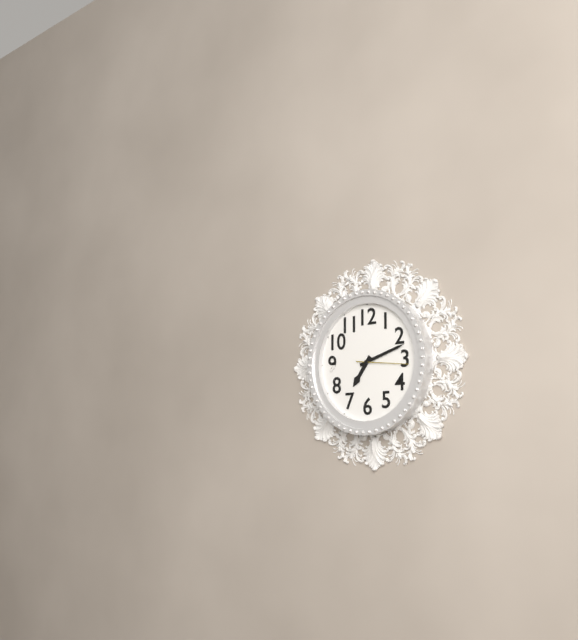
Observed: 7h12m16s
